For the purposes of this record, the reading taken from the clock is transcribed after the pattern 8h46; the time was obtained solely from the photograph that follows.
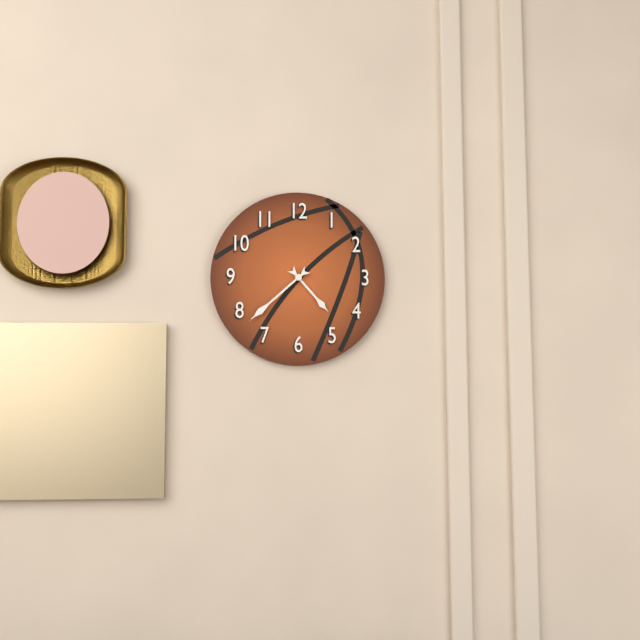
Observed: 4h38
